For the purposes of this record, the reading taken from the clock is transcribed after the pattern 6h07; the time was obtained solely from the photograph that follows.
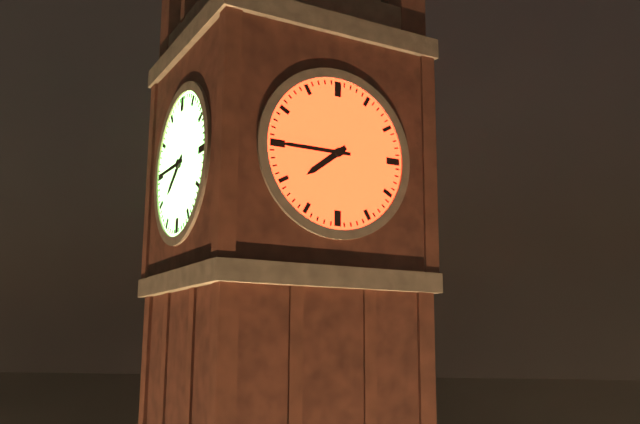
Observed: 7h45
